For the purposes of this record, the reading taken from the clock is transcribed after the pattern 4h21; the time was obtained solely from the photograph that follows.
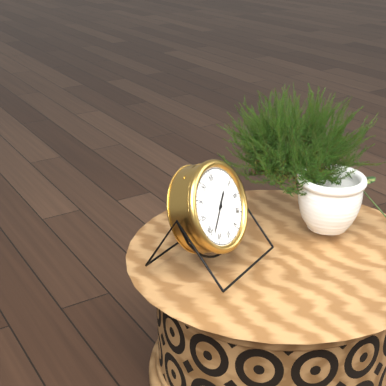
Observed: 1h38
